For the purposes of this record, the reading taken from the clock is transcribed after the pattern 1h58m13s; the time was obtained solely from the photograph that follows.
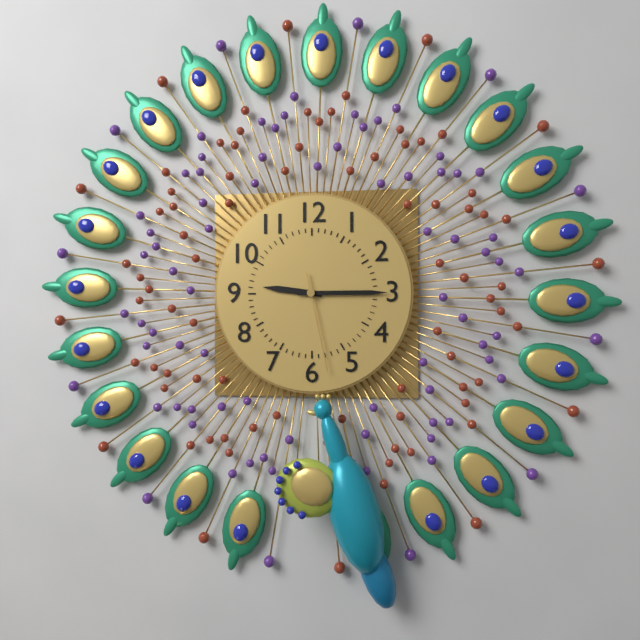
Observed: 9h15m28s
